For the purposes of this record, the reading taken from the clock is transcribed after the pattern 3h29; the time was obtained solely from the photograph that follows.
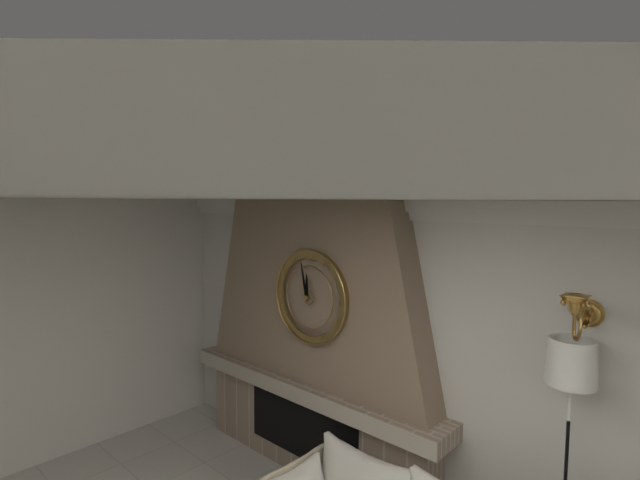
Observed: 11h58
